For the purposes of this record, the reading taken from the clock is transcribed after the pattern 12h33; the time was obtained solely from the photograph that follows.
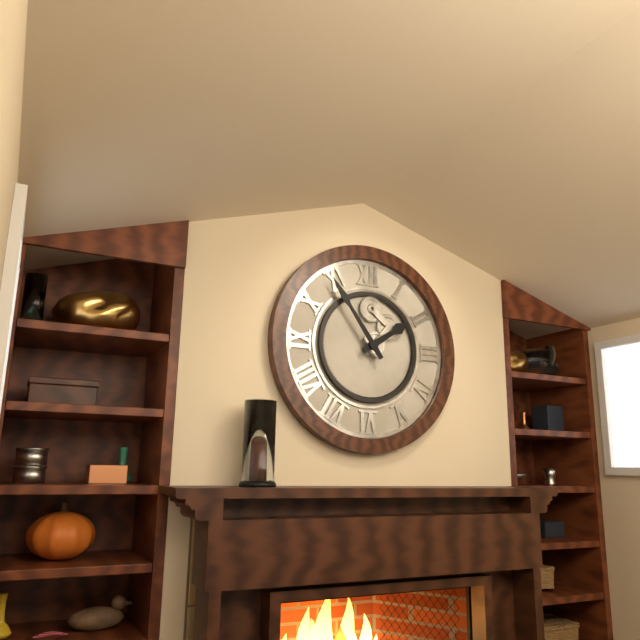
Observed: 1h54
